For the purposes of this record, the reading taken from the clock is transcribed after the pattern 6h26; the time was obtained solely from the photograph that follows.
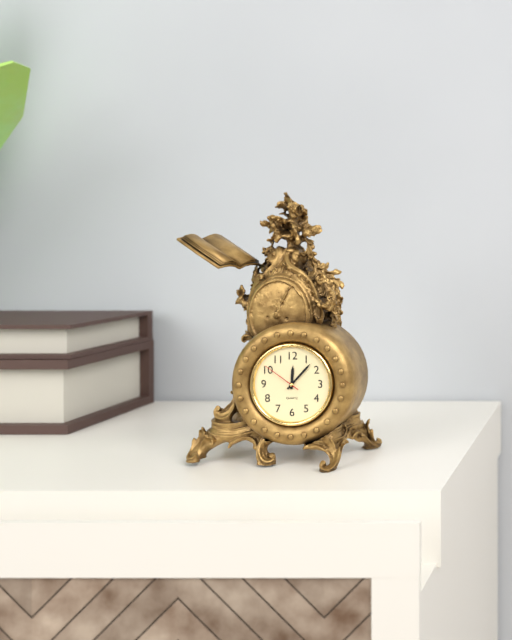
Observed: 12h07
